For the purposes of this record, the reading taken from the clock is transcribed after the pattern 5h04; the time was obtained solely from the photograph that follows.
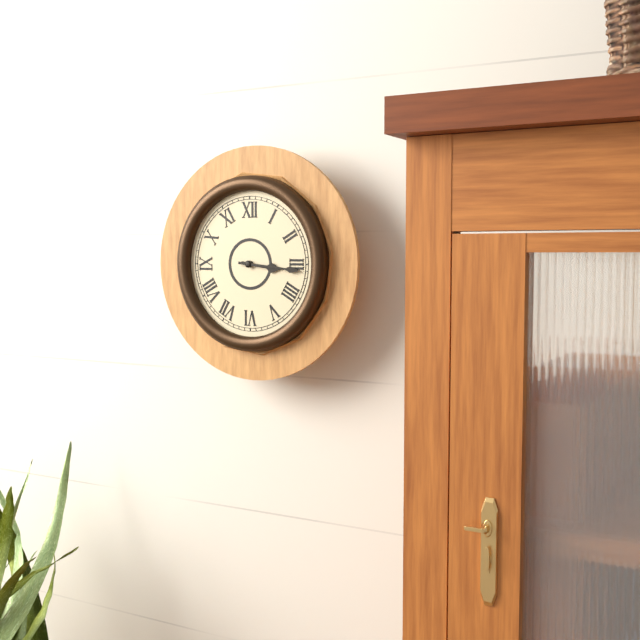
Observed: 3h16
